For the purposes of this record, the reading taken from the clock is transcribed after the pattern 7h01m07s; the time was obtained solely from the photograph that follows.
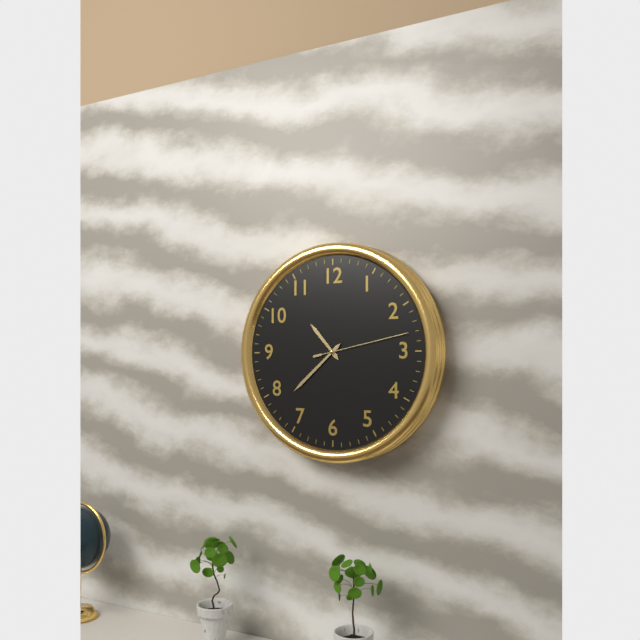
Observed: 10h38m13s
